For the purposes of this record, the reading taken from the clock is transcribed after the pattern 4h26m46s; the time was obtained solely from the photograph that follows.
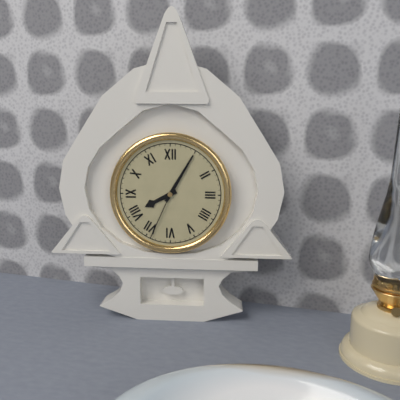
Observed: 8h05m34s
